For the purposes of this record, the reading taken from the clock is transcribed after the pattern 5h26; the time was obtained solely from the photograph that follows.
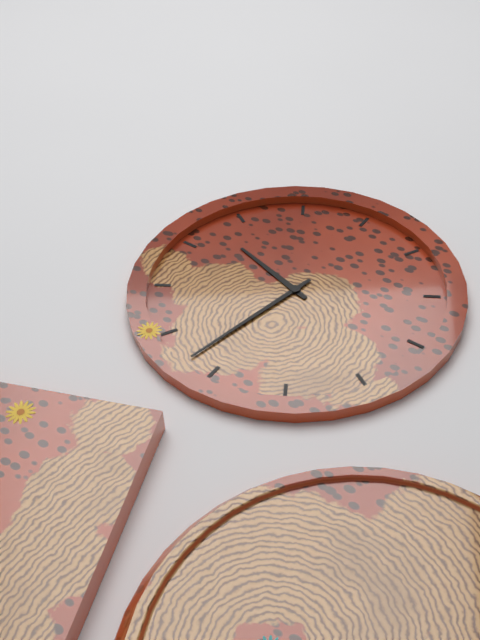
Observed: 9h32
